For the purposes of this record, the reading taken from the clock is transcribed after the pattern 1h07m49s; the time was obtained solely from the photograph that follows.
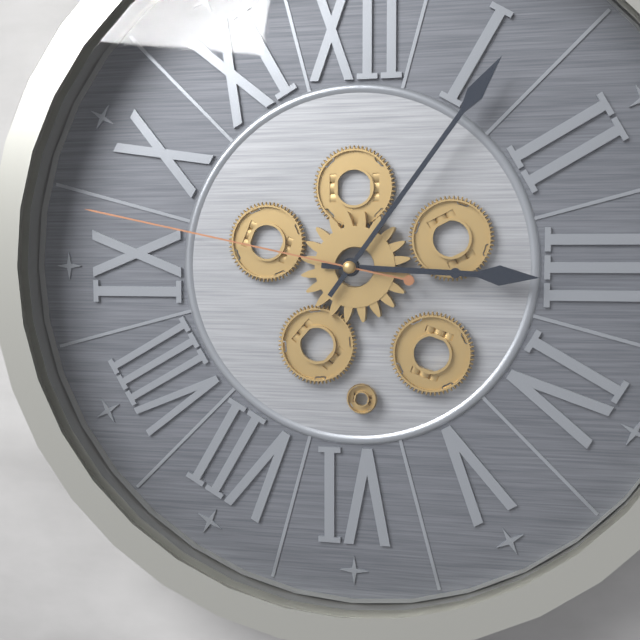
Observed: 3h06m47s
